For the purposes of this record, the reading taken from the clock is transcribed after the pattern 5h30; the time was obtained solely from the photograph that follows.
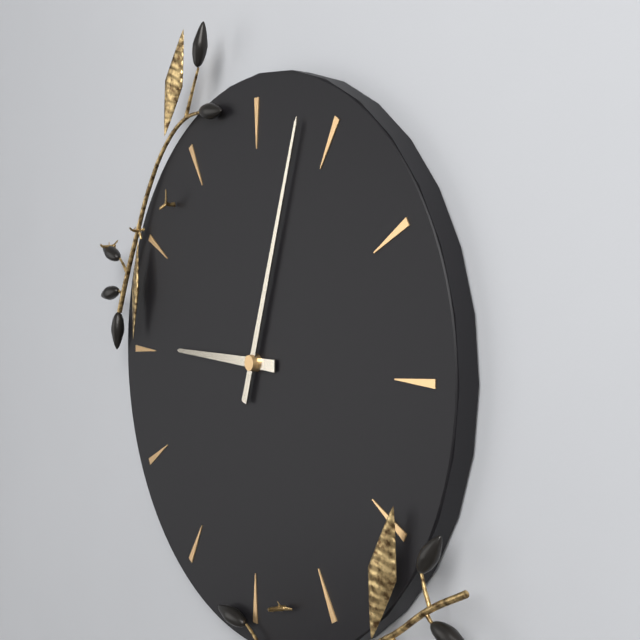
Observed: 9h03
